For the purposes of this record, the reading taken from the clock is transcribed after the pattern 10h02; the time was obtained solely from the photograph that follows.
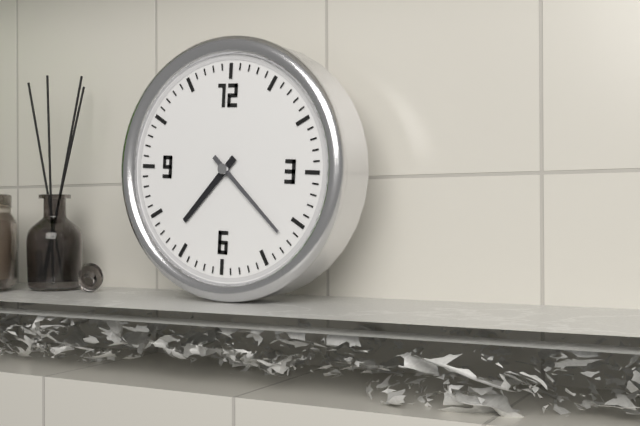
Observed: 7h22
